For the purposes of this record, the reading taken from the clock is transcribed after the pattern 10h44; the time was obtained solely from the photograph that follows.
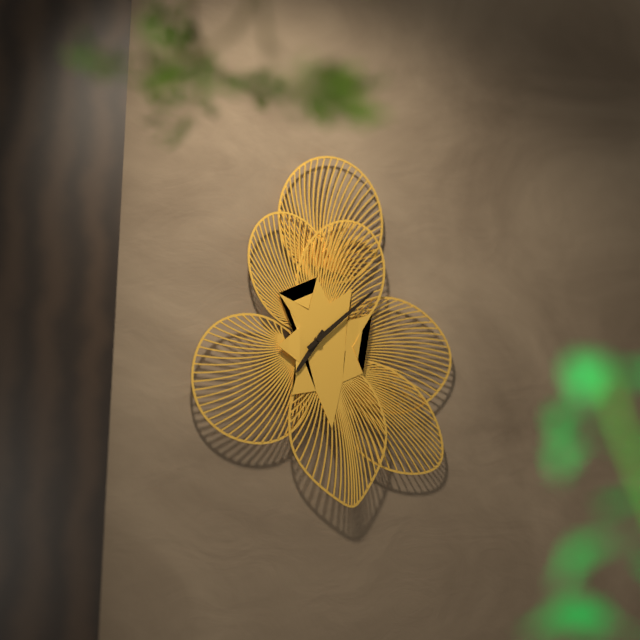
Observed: 7h08
